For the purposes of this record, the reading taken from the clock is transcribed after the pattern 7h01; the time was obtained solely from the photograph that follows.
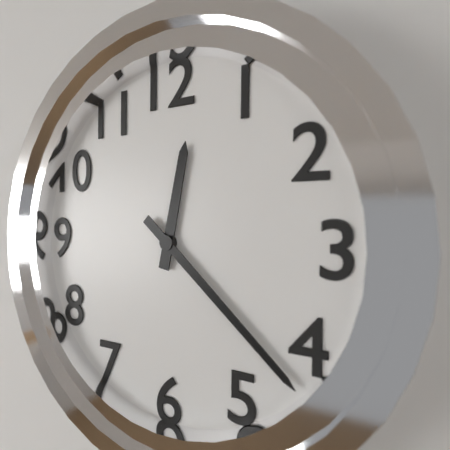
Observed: 12h22
